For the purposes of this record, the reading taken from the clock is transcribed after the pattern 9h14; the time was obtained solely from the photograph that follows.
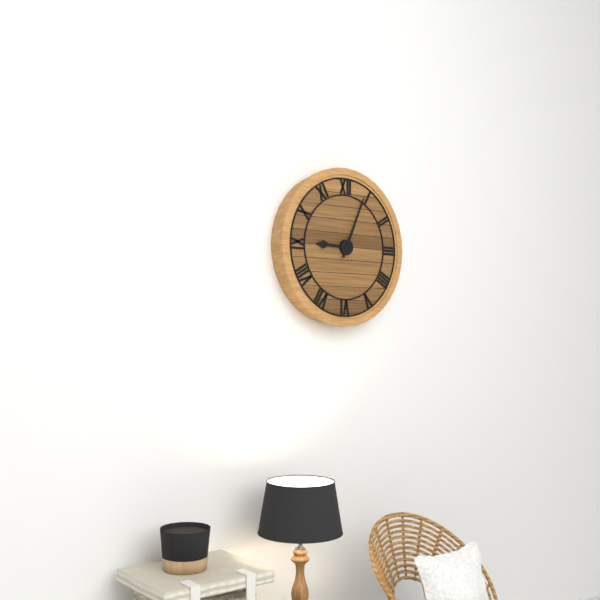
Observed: 9h04
